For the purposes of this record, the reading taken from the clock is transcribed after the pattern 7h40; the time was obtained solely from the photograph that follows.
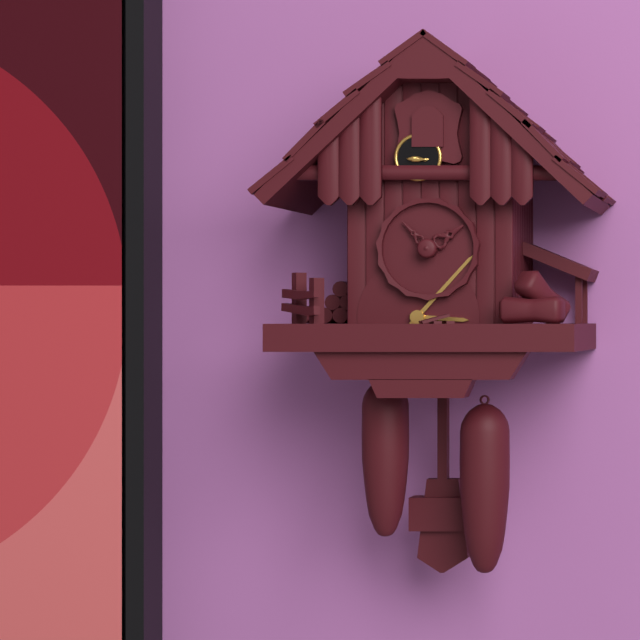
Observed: 3h07
